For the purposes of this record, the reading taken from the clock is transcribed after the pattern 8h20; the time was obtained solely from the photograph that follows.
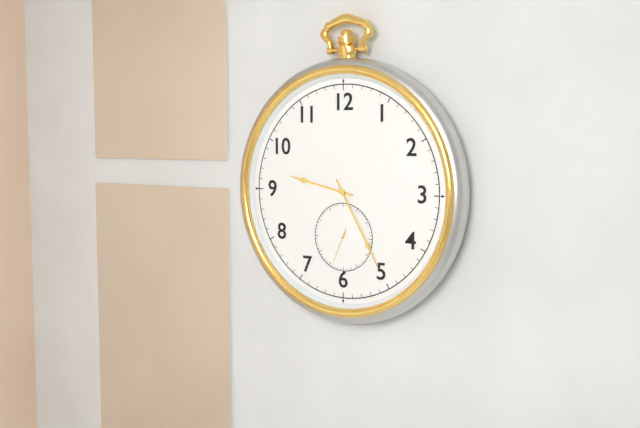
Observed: 9h25
